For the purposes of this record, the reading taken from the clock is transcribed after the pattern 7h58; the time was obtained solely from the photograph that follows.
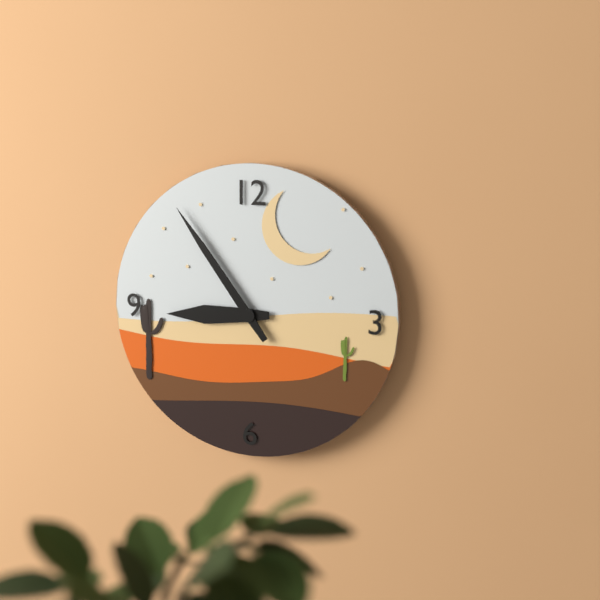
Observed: 8h54
